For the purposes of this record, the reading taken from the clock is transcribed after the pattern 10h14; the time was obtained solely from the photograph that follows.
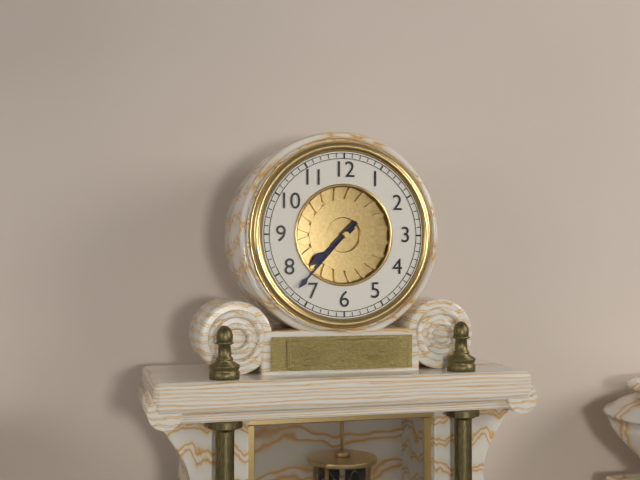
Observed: 7h37
